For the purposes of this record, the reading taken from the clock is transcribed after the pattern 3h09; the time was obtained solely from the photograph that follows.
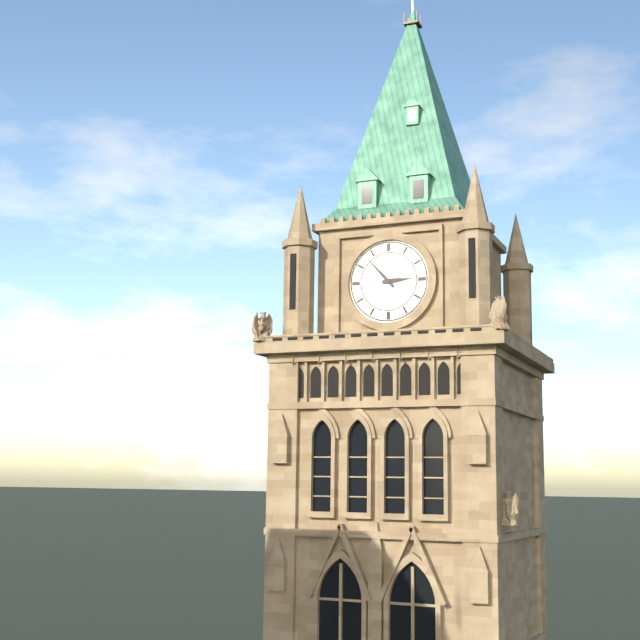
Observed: 2h53
